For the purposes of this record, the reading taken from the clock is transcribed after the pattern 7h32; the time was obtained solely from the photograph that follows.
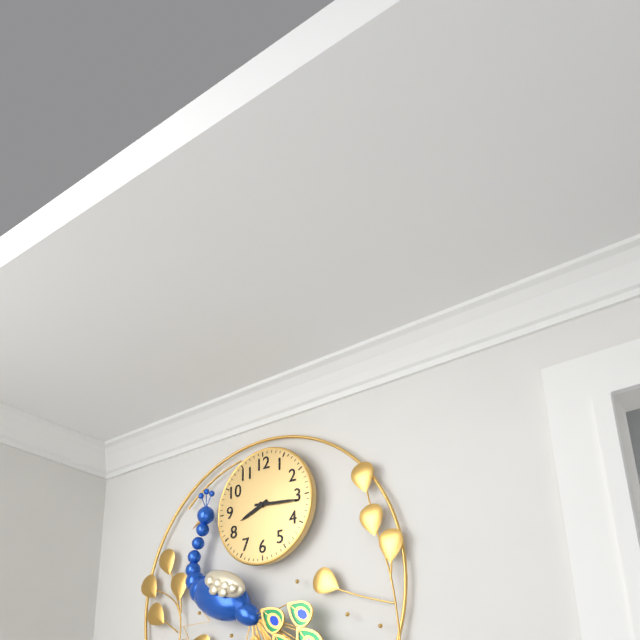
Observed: 8h16
